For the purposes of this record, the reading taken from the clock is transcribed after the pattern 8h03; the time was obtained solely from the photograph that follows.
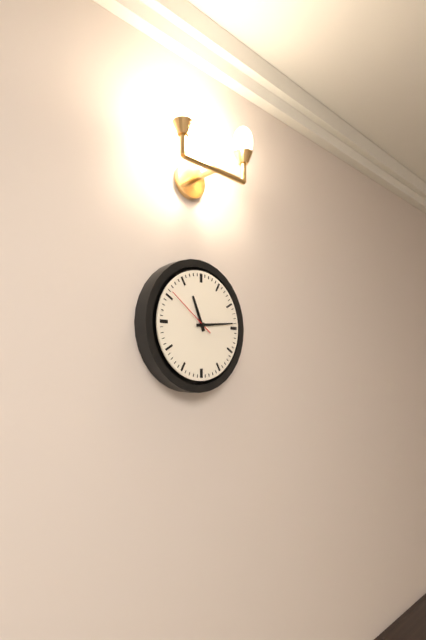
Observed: 11h14
